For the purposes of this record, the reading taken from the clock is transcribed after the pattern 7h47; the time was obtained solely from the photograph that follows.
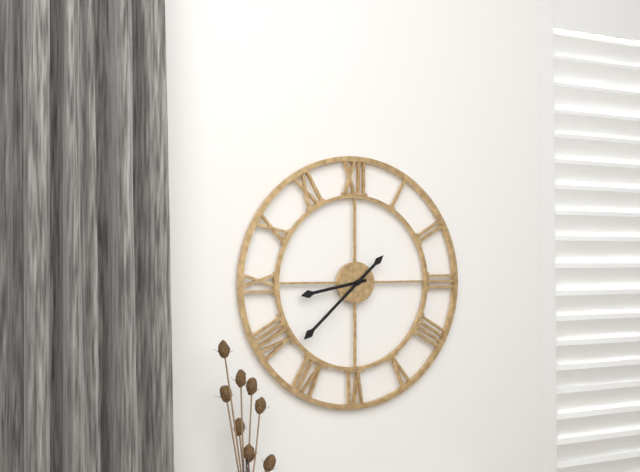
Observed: 8h38
